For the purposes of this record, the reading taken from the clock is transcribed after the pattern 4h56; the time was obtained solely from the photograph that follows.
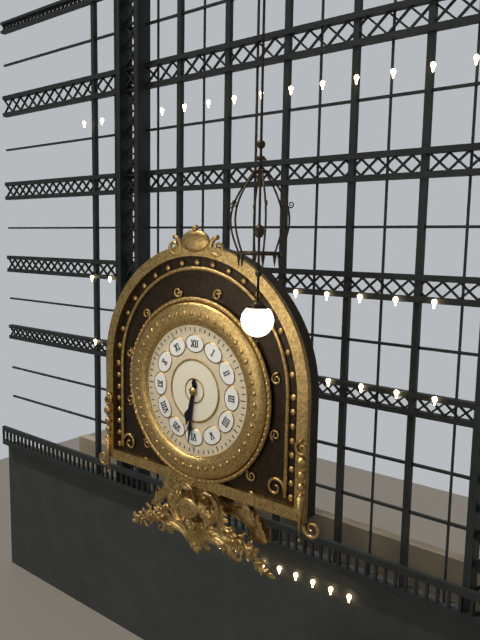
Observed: 6h31
